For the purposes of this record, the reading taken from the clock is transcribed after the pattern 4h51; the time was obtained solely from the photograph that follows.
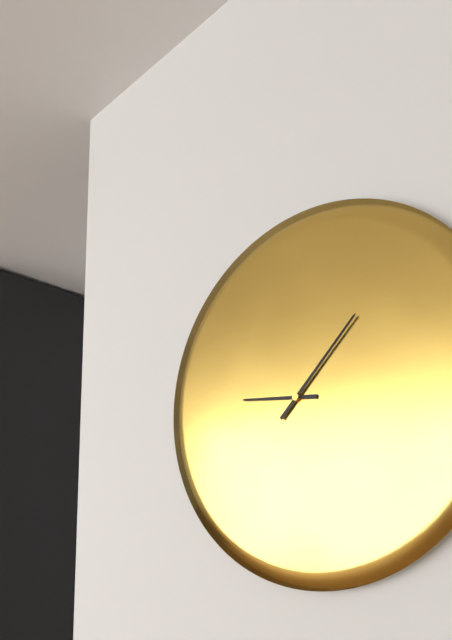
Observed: 9h07
